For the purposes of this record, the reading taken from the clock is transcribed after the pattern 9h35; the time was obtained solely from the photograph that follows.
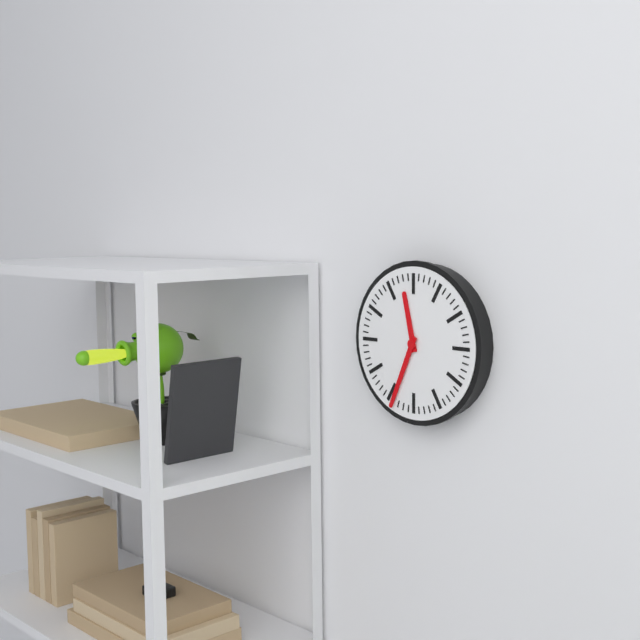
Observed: 11h34
